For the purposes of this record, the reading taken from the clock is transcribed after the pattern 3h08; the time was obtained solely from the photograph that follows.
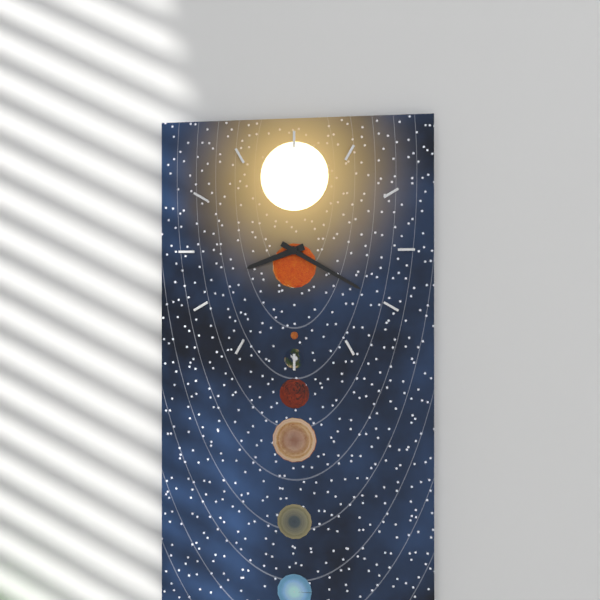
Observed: 8h20
